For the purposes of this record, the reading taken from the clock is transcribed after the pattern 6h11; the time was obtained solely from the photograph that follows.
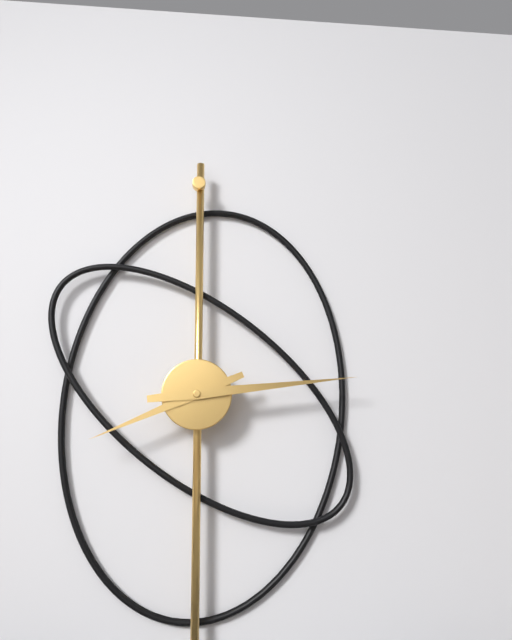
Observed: 8h14
